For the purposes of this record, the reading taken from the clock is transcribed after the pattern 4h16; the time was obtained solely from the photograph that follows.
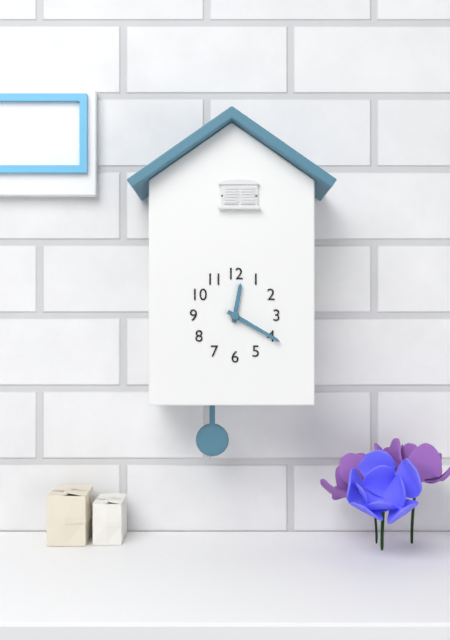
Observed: 12h20
